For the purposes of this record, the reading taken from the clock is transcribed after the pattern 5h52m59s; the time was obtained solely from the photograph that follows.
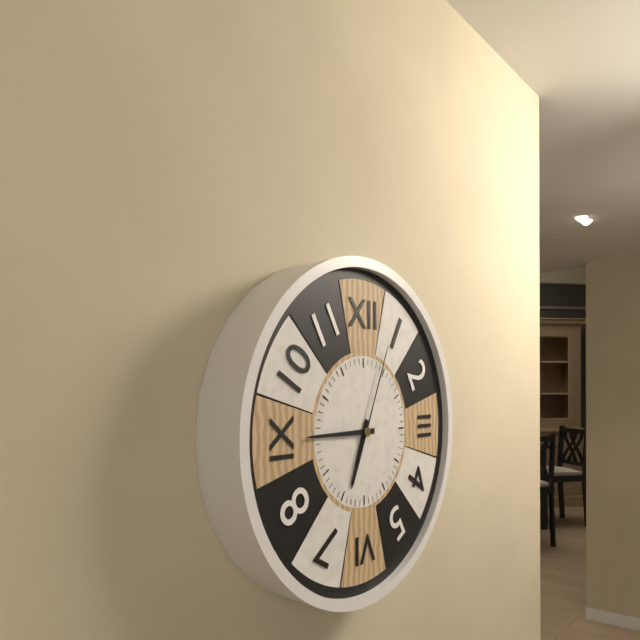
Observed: 6h45m04s
